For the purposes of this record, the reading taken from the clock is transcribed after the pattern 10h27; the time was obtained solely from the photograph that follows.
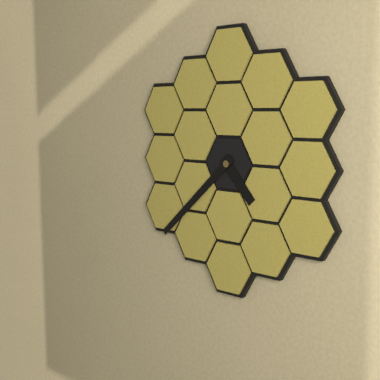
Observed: 4h38
